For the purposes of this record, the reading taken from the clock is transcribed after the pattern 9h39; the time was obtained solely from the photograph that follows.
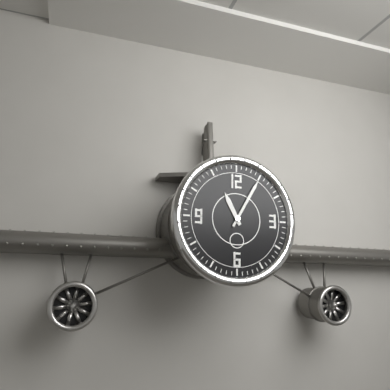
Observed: 11h05
